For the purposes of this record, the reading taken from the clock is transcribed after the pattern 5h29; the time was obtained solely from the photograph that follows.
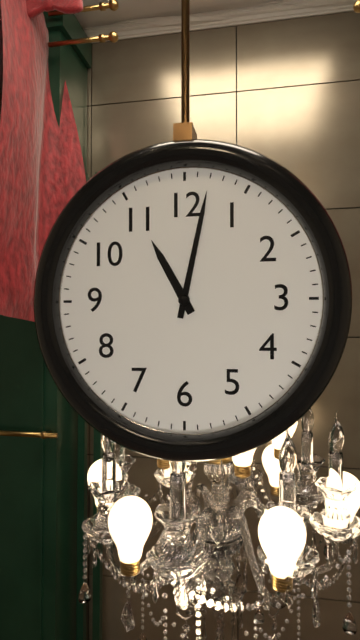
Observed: 11h02
